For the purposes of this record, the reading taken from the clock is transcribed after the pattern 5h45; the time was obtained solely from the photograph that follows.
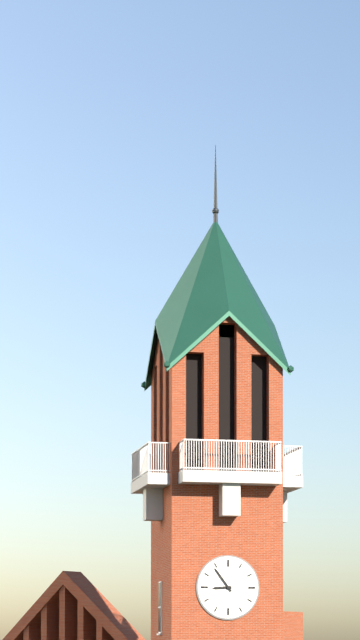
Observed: 8h54
